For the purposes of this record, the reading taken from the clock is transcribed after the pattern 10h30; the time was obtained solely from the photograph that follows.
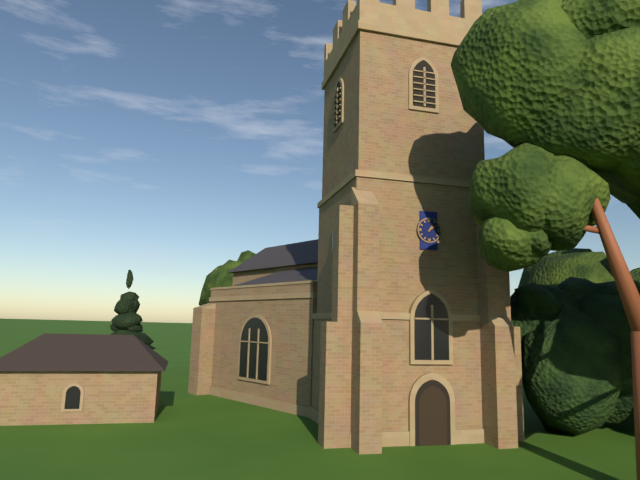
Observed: 1h09
